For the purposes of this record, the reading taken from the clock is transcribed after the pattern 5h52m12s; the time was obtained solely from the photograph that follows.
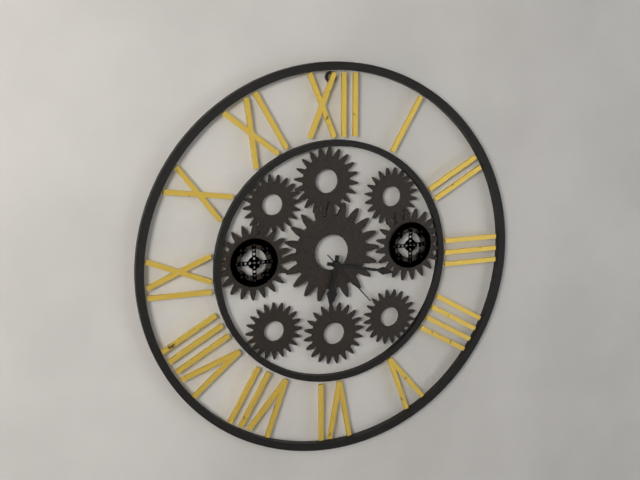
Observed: 6h17m23s
